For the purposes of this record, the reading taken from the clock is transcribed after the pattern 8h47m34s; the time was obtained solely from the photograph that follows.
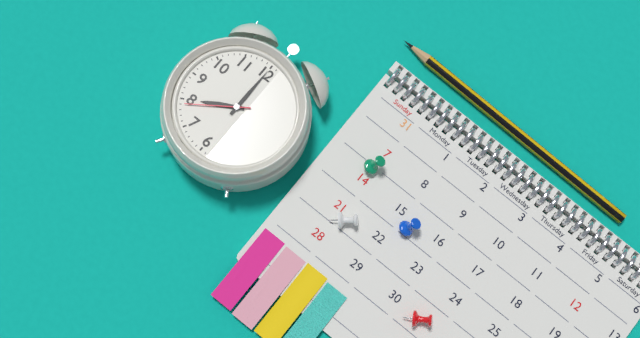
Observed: 8h00m39s
